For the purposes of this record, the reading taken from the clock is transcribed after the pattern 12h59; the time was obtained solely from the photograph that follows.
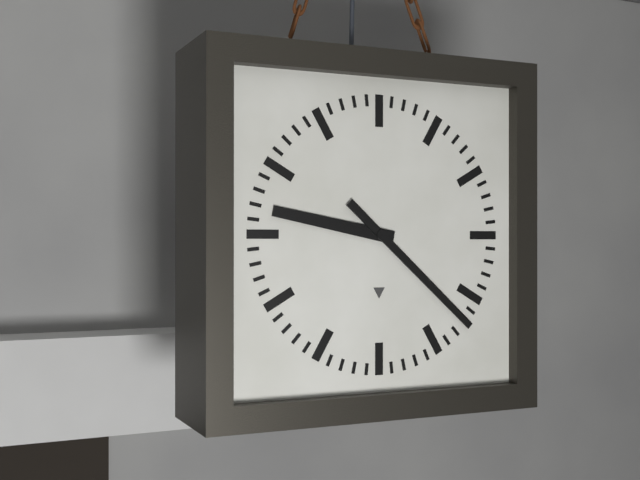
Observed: 9h22
